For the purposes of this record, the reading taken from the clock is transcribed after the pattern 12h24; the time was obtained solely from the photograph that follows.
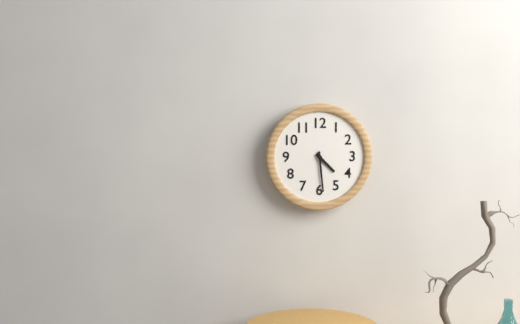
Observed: 4h29
